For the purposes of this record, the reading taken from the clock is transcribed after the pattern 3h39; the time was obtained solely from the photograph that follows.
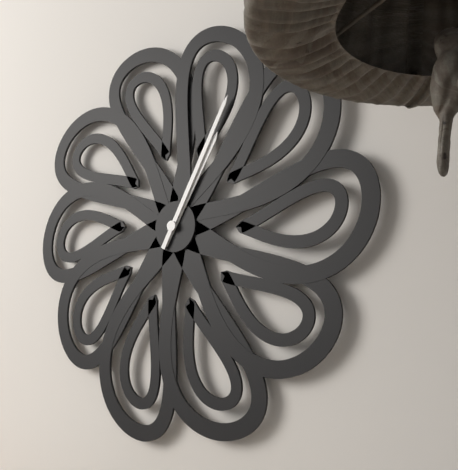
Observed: 1h05
